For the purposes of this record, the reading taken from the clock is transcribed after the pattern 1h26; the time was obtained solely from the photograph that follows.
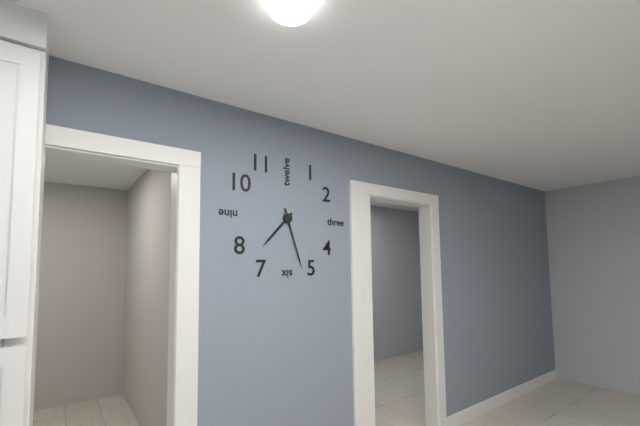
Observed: 7h27
